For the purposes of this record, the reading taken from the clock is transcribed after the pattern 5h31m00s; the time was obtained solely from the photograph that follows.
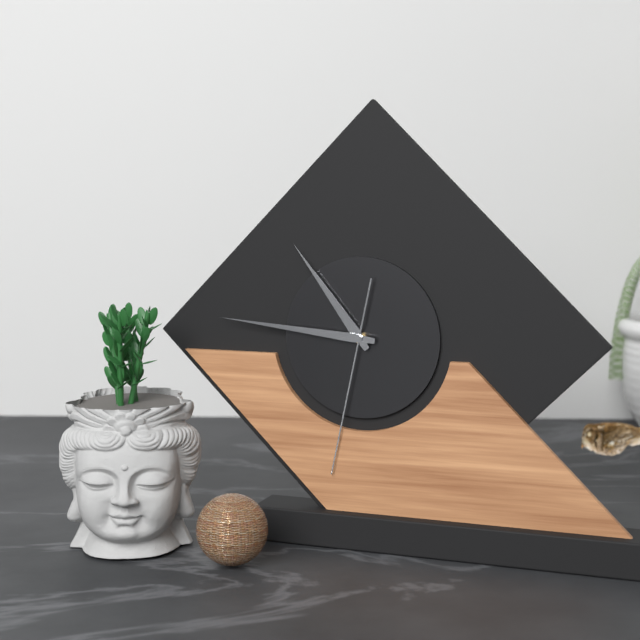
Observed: 10h46m32s
